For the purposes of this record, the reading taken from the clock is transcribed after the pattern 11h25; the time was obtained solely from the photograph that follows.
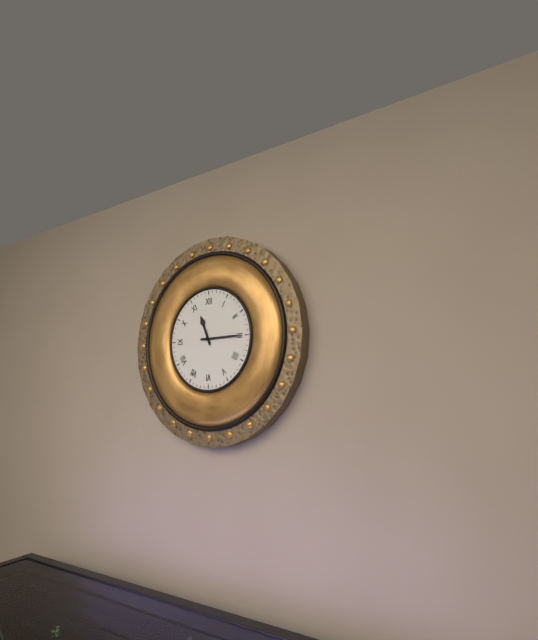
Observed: 11h15
